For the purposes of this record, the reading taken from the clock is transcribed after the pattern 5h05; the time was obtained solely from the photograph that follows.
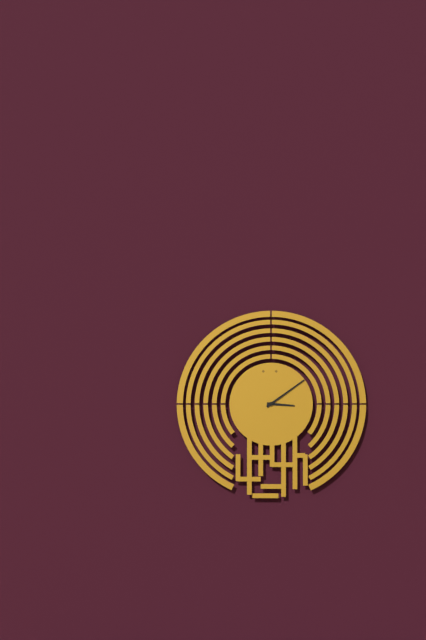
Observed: 3h09
